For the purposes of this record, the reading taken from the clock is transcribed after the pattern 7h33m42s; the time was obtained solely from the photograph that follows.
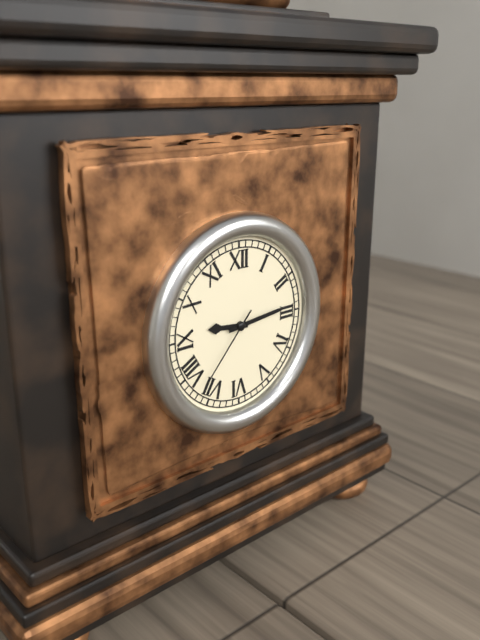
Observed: 9h14m37s
